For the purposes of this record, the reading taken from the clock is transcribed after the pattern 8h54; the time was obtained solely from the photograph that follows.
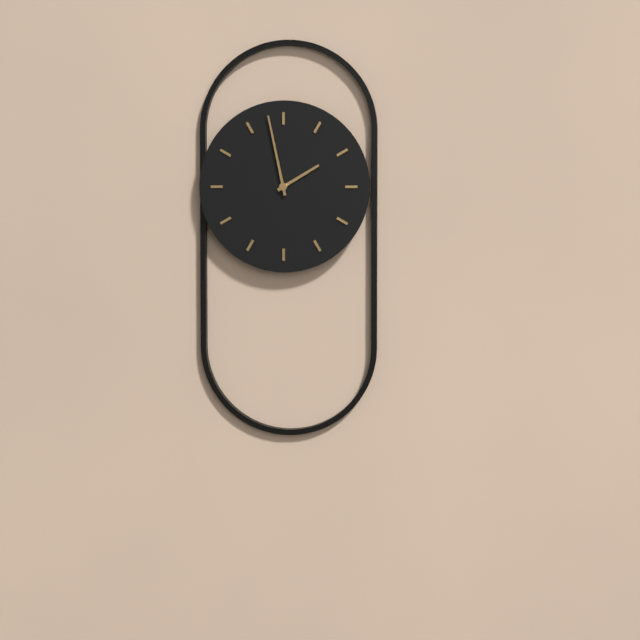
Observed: 1h58
